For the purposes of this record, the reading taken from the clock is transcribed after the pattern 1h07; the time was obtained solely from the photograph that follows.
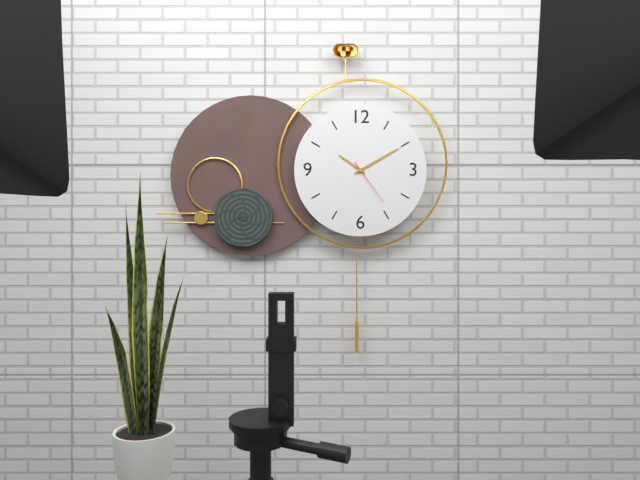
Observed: 10h10
